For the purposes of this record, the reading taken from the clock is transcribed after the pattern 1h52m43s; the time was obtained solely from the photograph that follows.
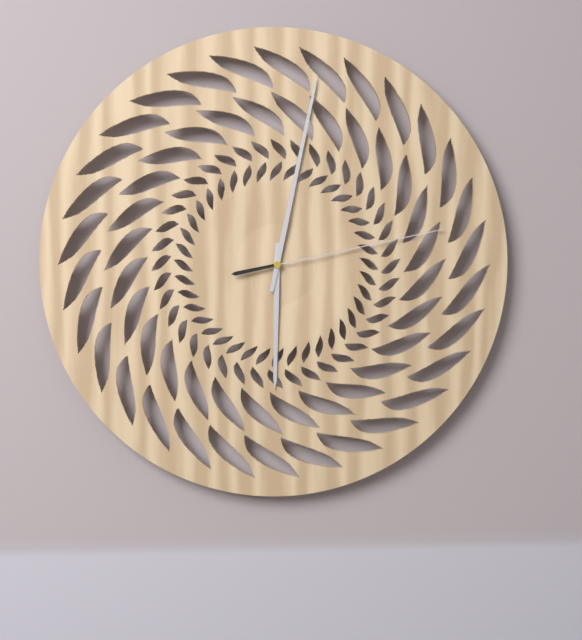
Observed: 6h02m13s
